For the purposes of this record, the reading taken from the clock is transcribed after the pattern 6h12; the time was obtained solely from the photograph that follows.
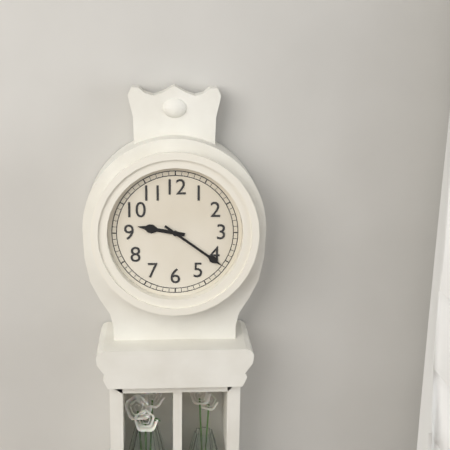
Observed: 9h21
